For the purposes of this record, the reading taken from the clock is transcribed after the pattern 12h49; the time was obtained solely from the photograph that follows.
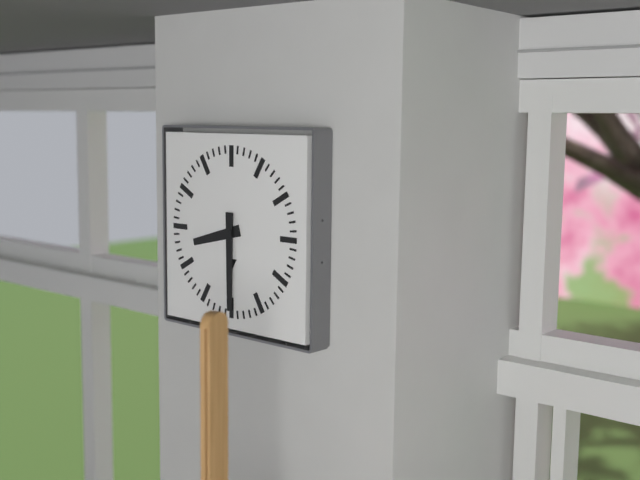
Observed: 8h30
